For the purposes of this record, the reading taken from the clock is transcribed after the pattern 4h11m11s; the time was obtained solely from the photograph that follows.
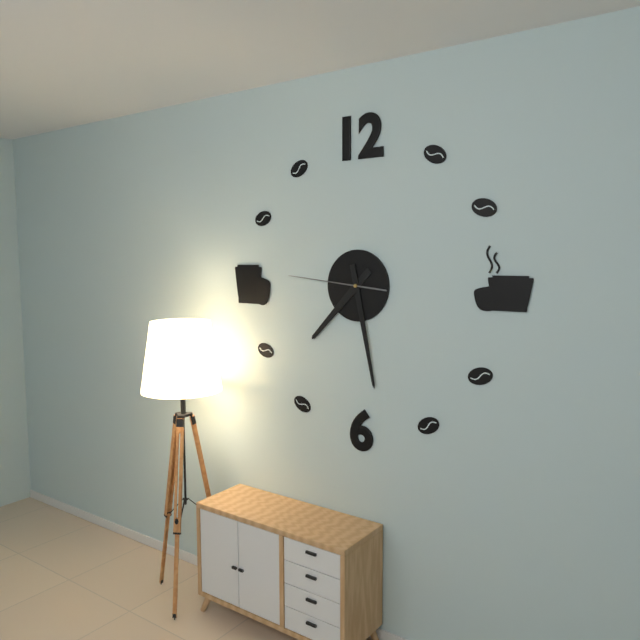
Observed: 7h28m46s
